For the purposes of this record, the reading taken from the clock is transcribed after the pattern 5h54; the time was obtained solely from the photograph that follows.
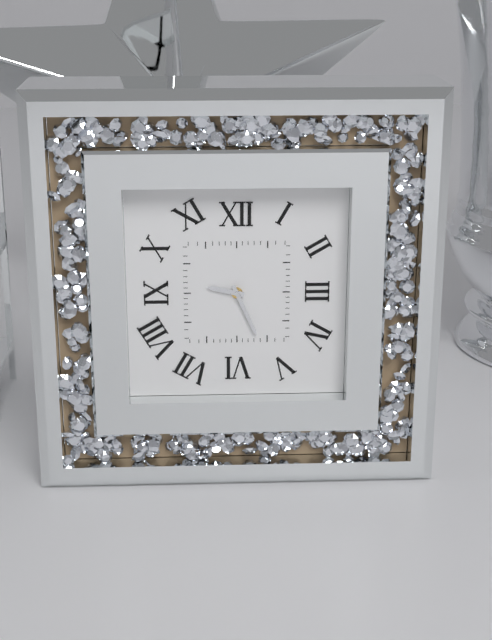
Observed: 9h26
